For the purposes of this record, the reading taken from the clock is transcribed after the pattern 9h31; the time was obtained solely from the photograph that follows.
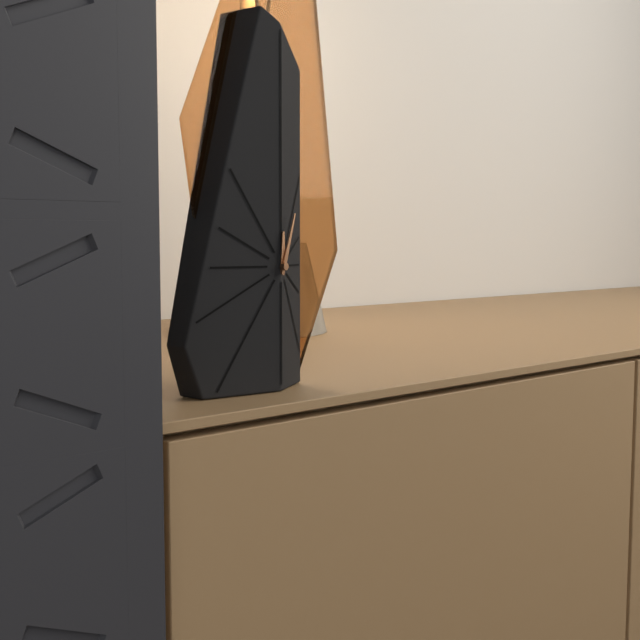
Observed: 12h03
